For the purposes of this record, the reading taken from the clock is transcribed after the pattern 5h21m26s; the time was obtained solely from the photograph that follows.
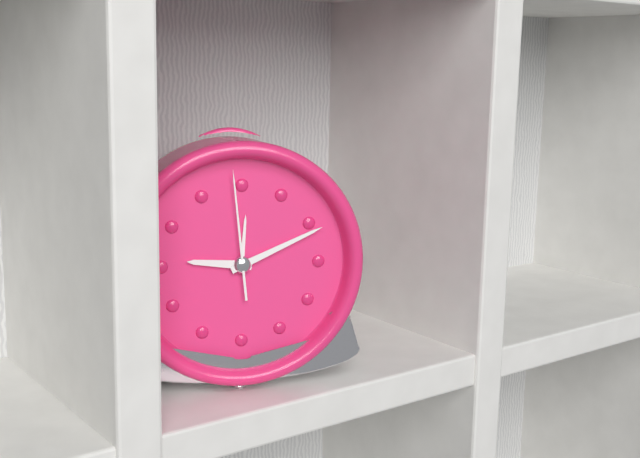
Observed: 9h11m59s
